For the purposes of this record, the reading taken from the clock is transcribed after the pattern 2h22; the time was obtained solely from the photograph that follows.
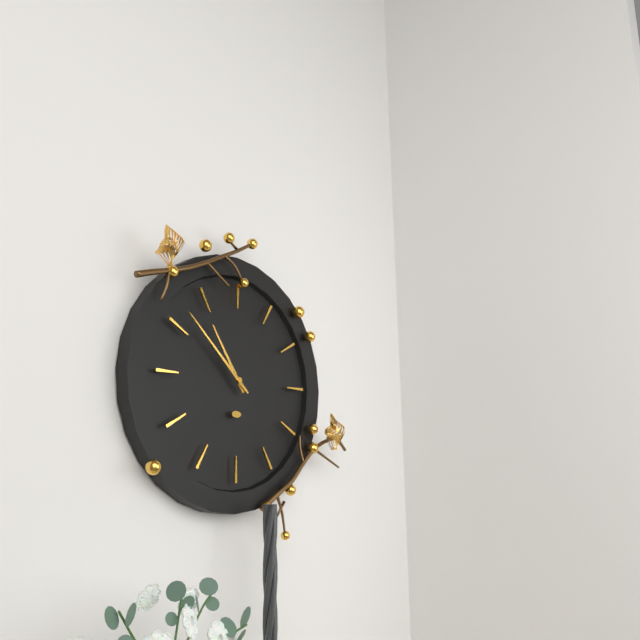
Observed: 10h52
